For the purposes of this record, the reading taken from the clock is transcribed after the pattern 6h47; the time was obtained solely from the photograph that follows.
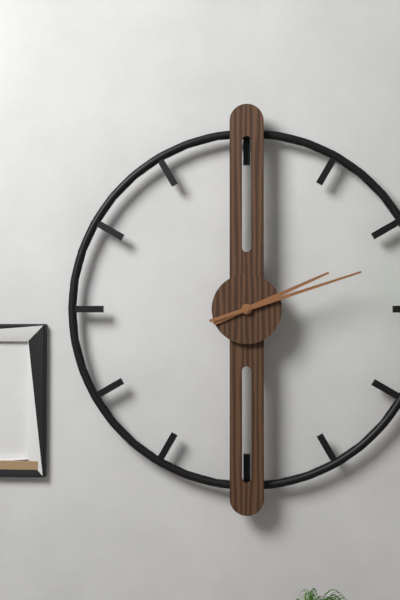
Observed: 2h12
